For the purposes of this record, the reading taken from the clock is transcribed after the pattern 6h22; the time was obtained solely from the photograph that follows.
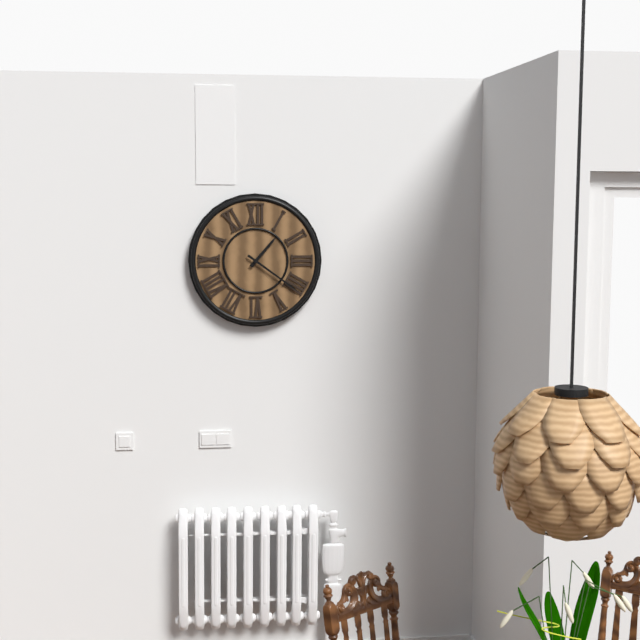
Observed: 1h21
